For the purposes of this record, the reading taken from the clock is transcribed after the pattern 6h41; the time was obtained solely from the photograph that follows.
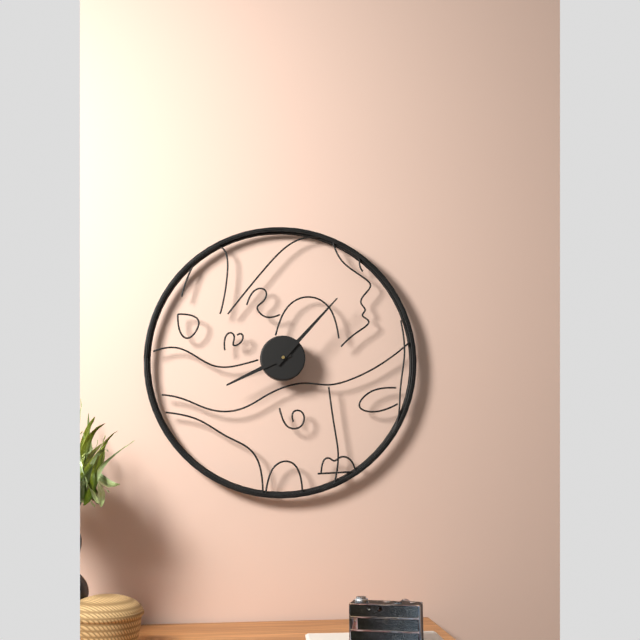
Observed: 8h07
